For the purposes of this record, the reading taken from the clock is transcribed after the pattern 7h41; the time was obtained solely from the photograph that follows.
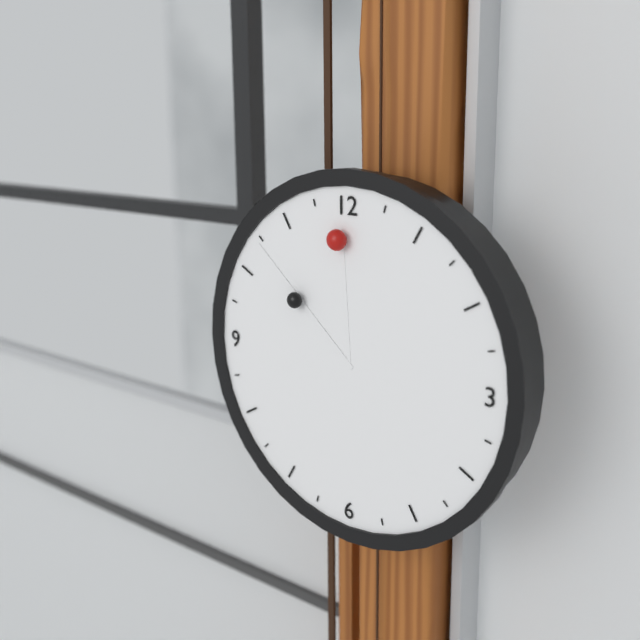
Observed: 11h52
